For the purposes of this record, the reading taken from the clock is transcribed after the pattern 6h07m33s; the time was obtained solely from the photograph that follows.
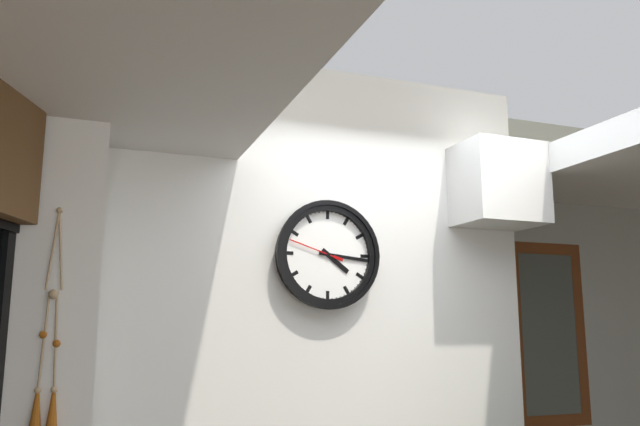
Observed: 4h16m48s
